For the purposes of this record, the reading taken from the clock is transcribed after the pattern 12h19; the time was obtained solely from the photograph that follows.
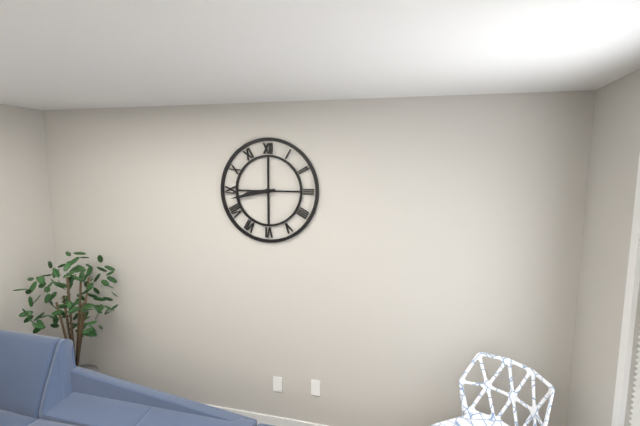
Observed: 8h43
